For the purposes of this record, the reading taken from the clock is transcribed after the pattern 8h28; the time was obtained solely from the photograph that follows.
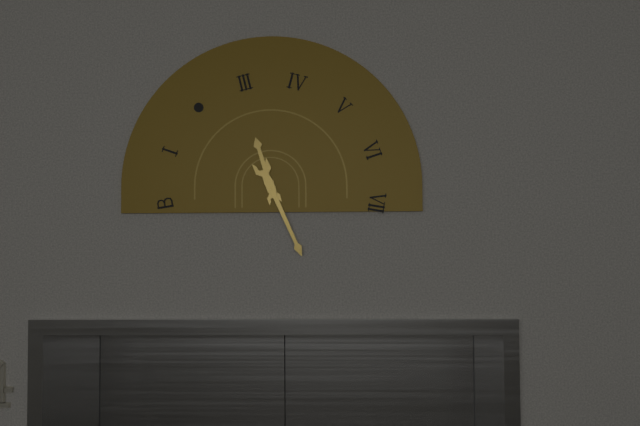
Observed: 11h26
